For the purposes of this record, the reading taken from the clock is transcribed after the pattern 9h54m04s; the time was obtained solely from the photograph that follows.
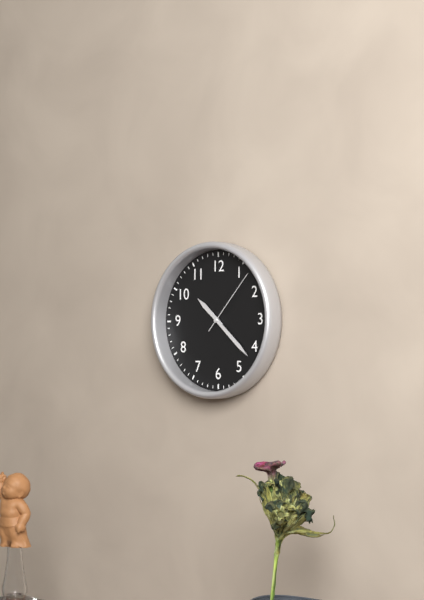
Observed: 10h22m07s
